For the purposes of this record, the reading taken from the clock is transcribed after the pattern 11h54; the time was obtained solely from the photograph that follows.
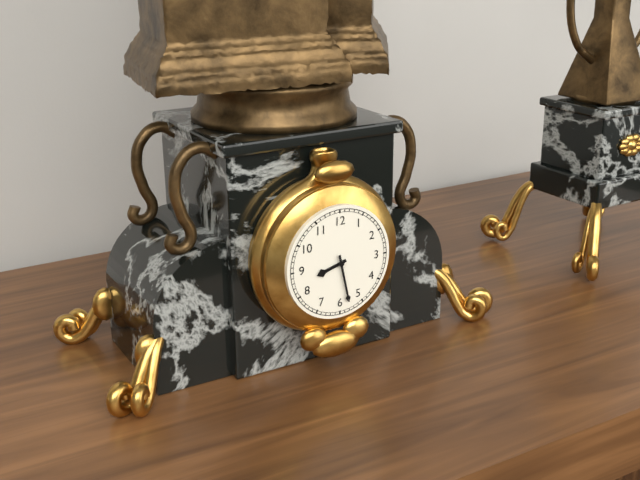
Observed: 8h28
